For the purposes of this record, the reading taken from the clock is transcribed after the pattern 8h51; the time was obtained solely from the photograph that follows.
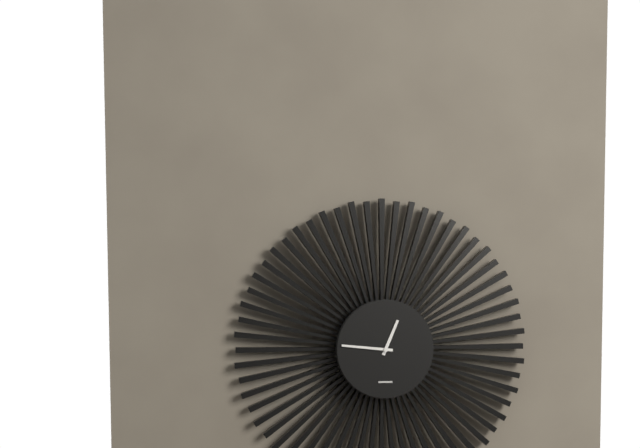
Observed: 12h46
